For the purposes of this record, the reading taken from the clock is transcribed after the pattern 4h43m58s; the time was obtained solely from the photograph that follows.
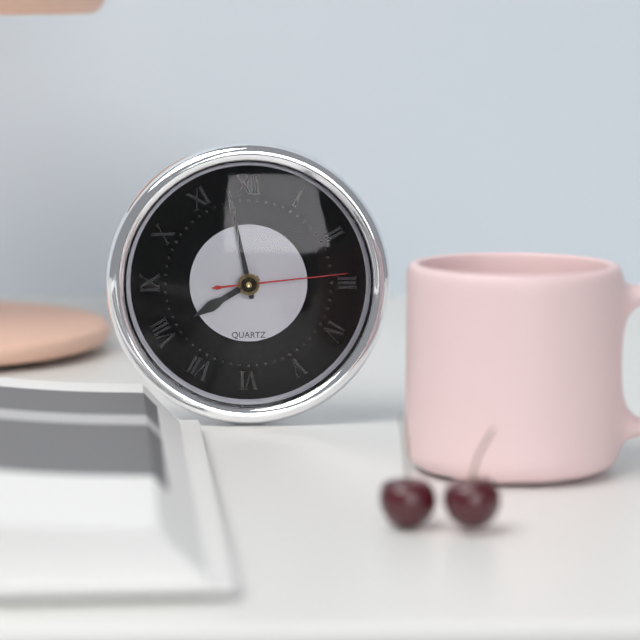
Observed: 7h58m14s
